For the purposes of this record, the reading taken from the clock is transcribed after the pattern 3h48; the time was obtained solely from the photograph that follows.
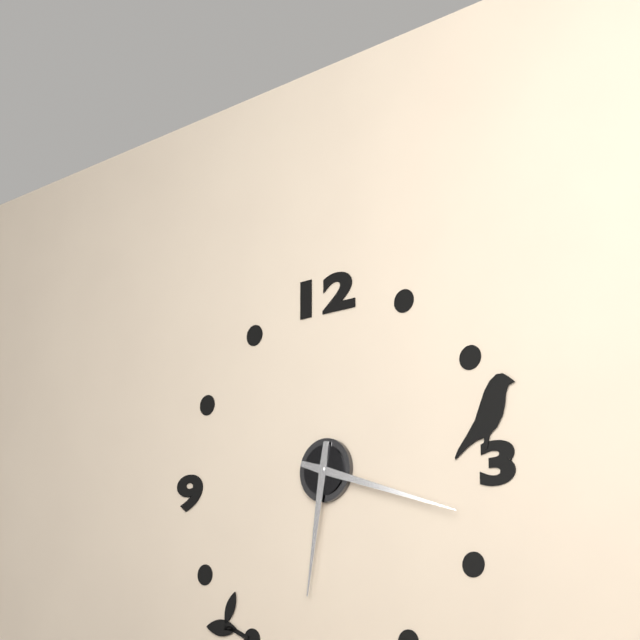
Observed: 6h18
